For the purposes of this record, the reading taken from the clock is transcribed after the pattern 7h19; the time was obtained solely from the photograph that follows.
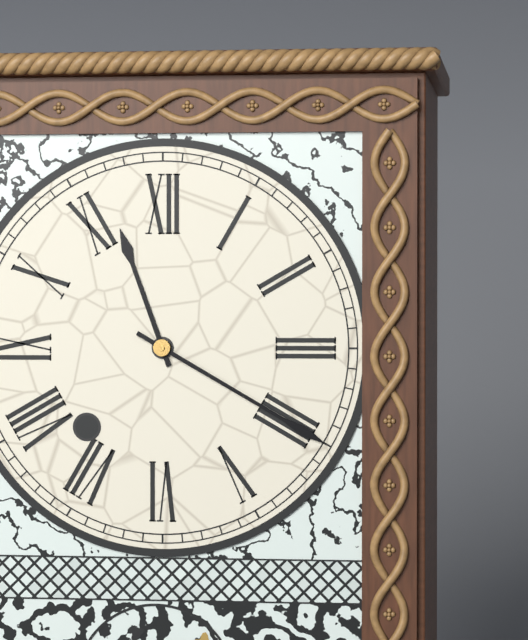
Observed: 11h20
